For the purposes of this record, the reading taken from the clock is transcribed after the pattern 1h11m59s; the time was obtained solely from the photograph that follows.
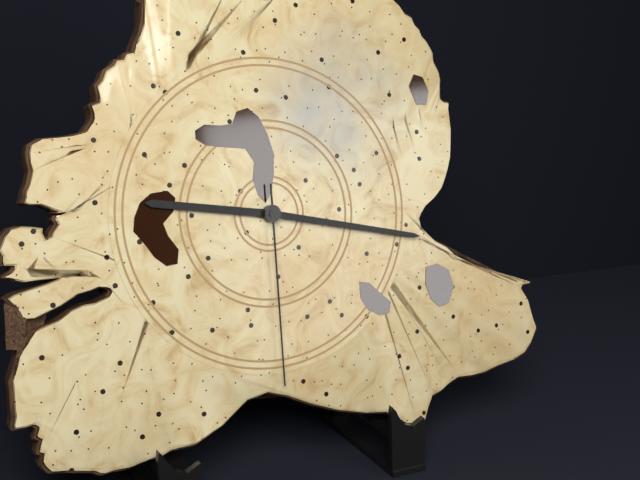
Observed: 9h17m30s
